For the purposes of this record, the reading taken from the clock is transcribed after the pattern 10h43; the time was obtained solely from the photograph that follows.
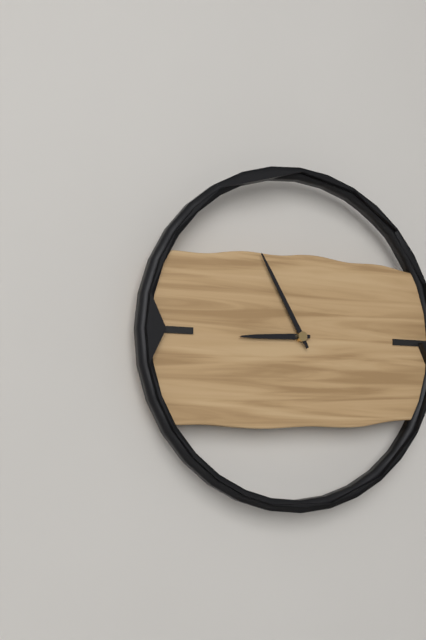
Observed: 8h55
